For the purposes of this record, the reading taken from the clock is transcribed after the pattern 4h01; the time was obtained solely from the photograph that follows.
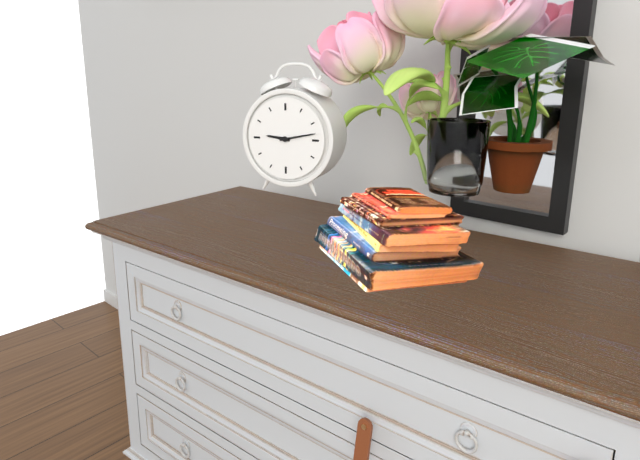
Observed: 9h13
